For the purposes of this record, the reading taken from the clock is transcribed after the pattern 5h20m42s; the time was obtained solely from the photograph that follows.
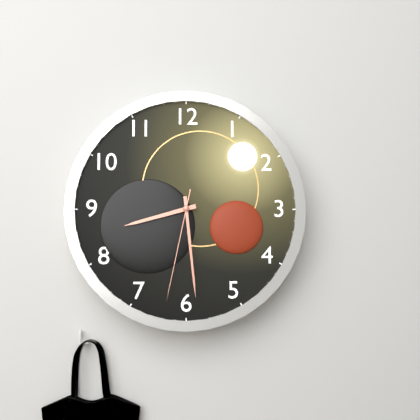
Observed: 8h29m32s
